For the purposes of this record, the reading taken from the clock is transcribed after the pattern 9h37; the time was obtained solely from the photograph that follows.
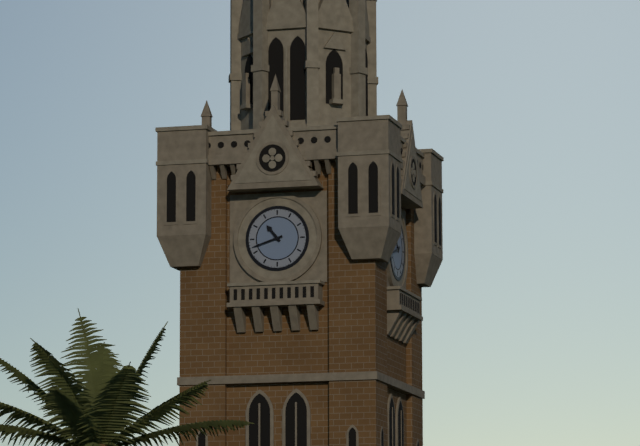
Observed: 10h42
